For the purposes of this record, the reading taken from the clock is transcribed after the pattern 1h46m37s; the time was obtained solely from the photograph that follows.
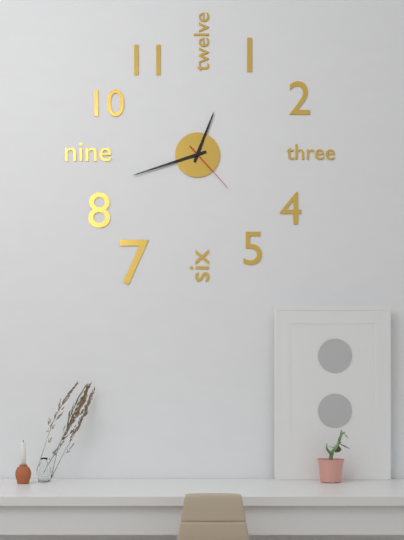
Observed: 12h42m23s
